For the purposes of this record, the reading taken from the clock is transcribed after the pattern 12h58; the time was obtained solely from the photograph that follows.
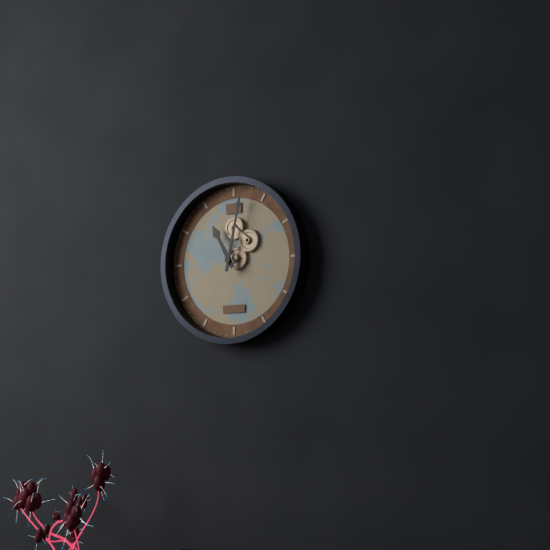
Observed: 11h02
